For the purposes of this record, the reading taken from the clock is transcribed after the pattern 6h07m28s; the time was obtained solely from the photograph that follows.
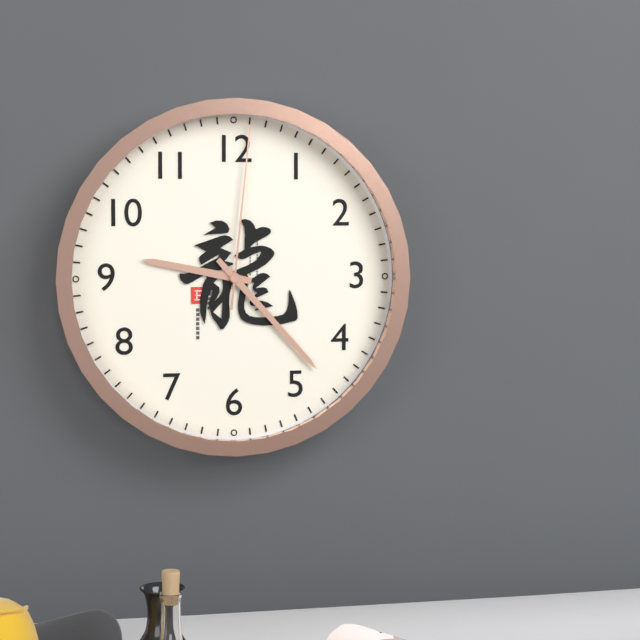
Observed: 9h23m01s
